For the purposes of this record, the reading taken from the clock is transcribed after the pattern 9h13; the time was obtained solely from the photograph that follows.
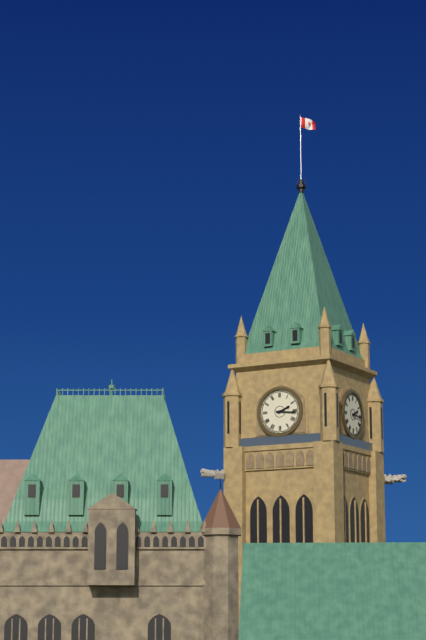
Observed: 2h16
